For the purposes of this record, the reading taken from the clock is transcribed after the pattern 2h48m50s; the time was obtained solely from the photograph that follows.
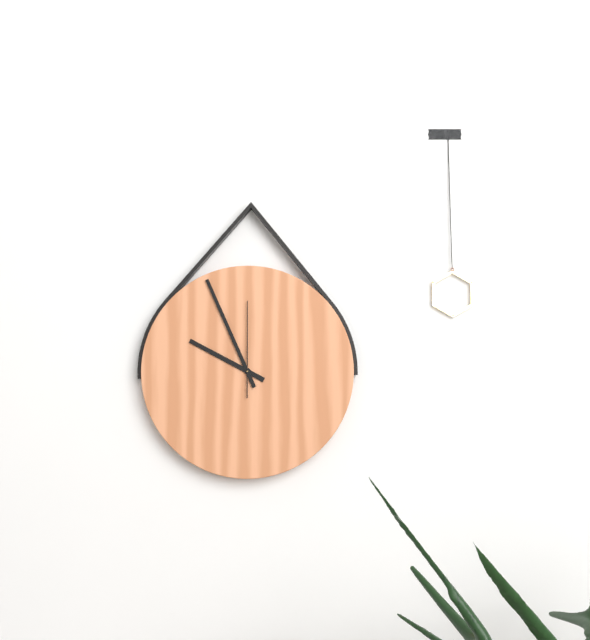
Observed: 9h56m00s
